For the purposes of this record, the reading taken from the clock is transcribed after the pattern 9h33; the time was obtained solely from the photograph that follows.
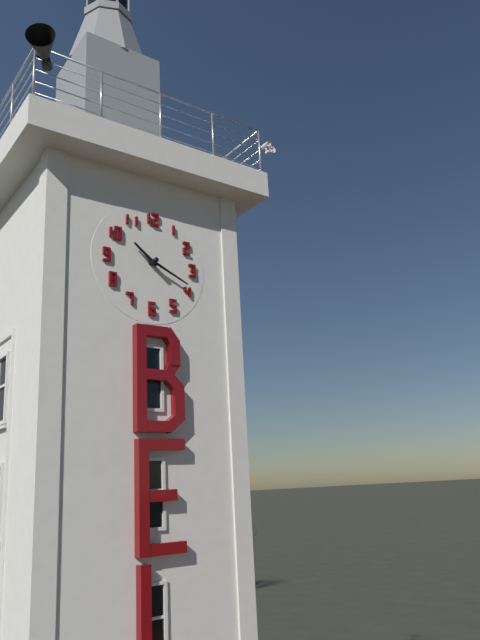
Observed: 10h19
